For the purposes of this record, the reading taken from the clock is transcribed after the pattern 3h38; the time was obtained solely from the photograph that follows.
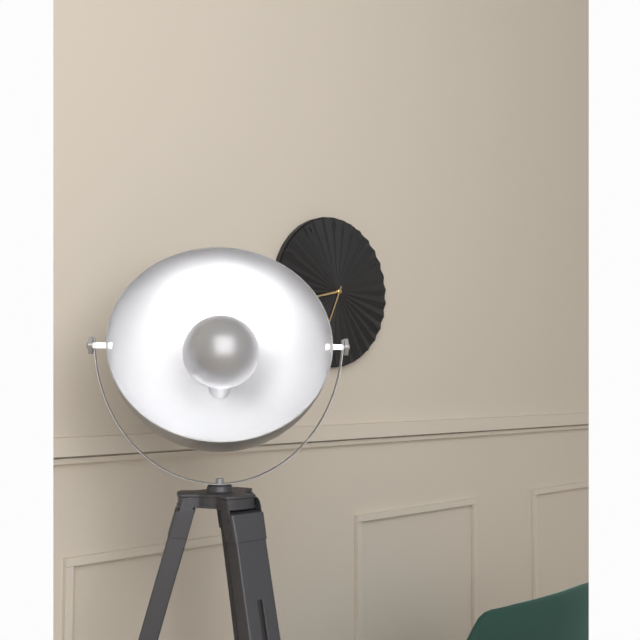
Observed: 8h34
